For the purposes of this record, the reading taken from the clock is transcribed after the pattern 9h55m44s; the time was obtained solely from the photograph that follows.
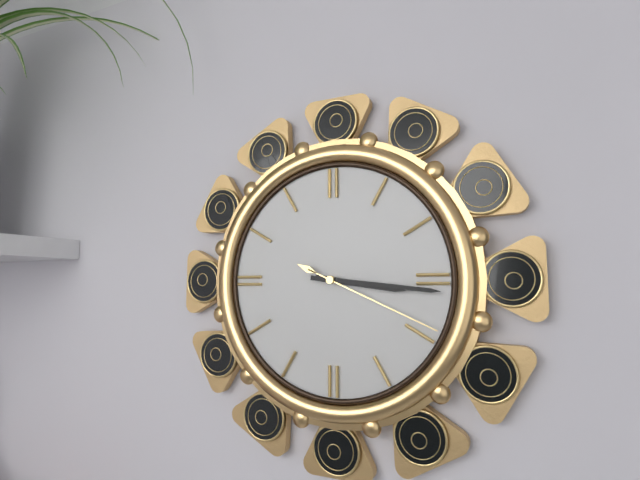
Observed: 3h16m19s
